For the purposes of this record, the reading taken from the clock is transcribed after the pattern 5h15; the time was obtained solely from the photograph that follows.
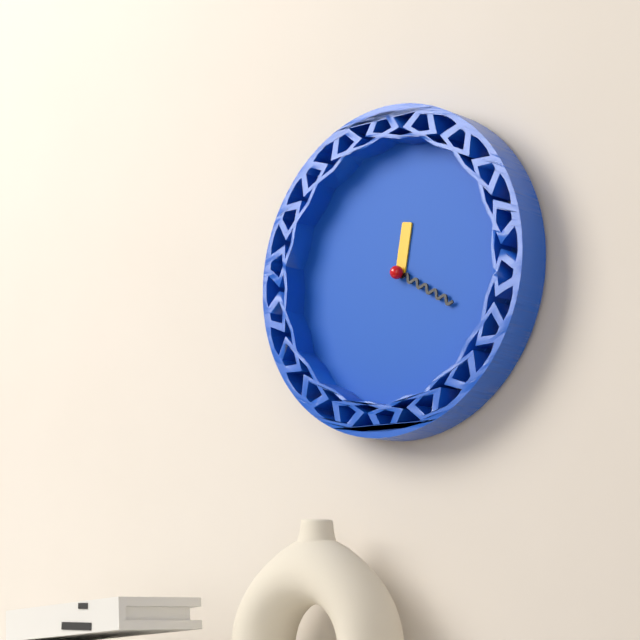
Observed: 12h20
